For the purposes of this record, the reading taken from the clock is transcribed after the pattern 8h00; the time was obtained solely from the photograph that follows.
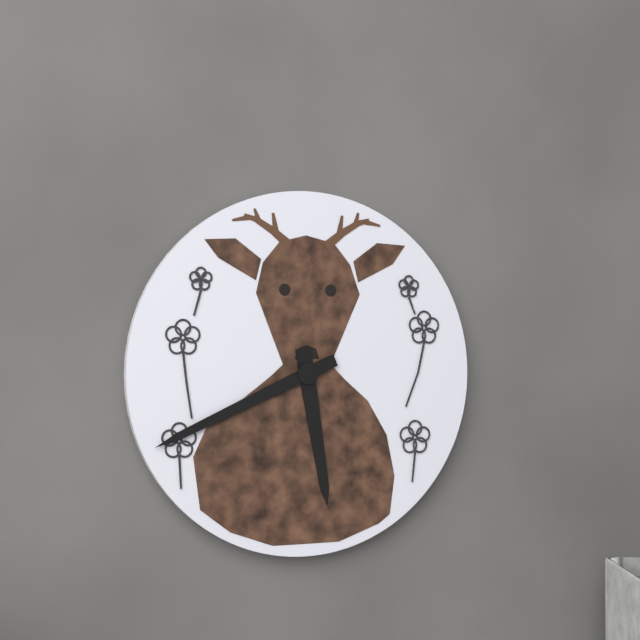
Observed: 5h41
